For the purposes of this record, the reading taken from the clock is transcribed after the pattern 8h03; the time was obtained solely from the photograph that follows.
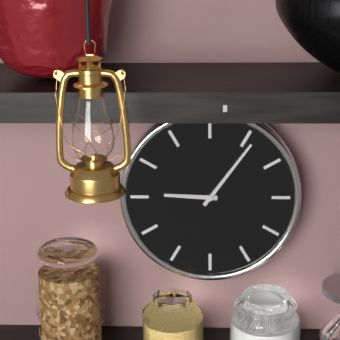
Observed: 9h06
